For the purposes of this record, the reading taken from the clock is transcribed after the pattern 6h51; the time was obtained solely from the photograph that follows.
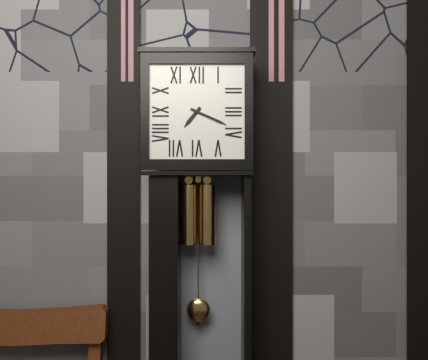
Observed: 7h19
